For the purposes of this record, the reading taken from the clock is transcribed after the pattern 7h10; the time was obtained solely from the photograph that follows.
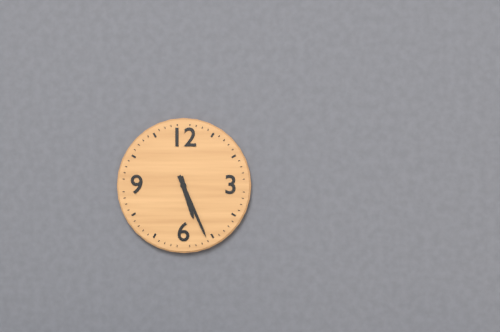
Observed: 5h26
